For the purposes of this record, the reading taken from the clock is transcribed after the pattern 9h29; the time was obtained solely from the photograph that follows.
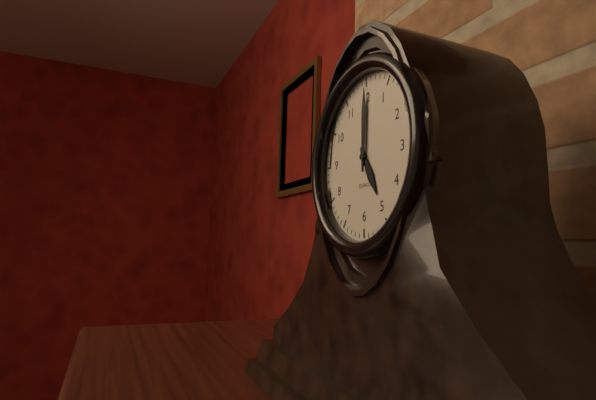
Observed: 5h00
